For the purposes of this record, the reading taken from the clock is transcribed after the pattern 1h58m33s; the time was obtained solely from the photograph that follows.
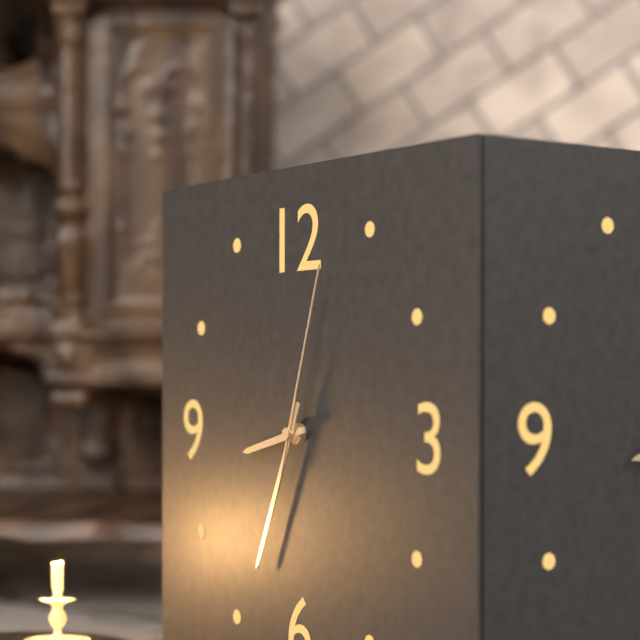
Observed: 8h34m03s
